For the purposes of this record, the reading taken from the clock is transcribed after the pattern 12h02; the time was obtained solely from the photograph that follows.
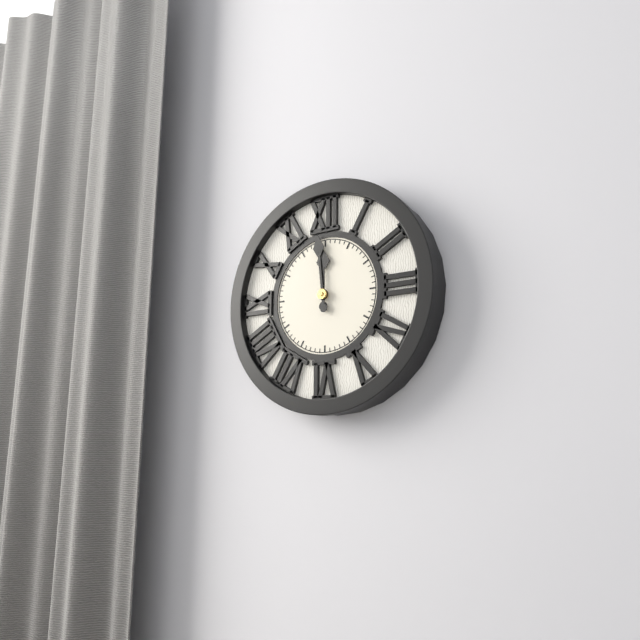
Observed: 11h59
